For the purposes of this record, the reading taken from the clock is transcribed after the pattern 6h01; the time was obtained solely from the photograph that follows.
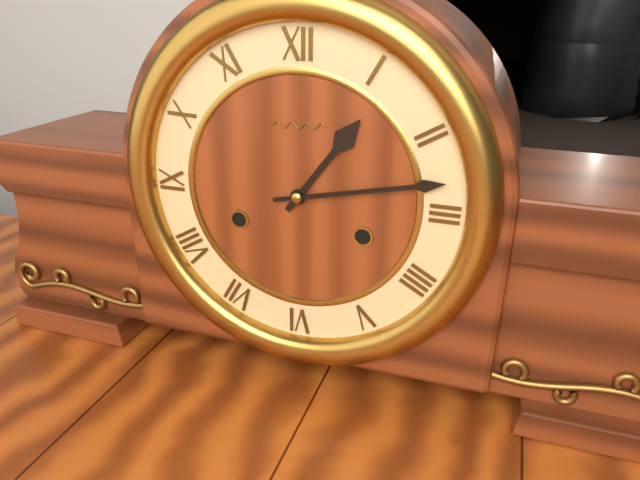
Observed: 1h13
